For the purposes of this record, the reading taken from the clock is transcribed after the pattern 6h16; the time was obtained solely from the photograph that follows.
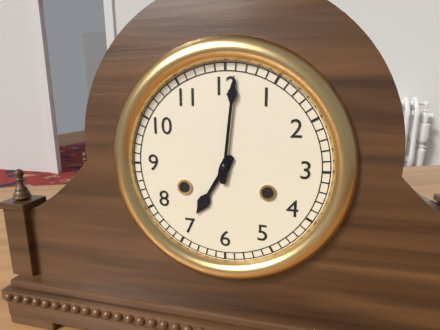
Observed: 7h01
